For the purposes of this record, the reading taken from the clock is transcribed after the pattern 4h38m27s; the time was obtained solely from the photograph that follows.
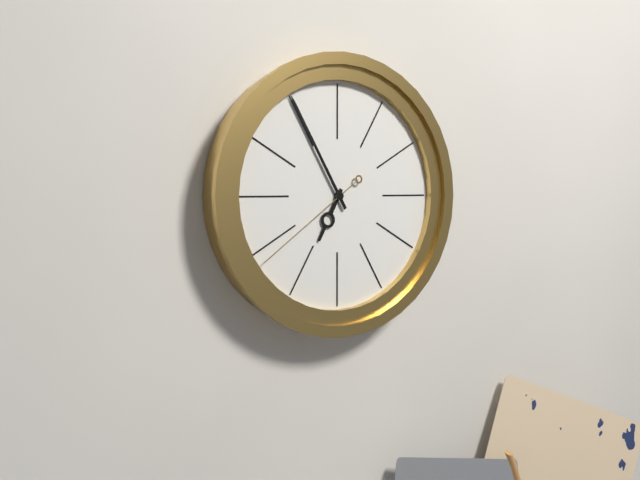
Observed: 6h55m39s
